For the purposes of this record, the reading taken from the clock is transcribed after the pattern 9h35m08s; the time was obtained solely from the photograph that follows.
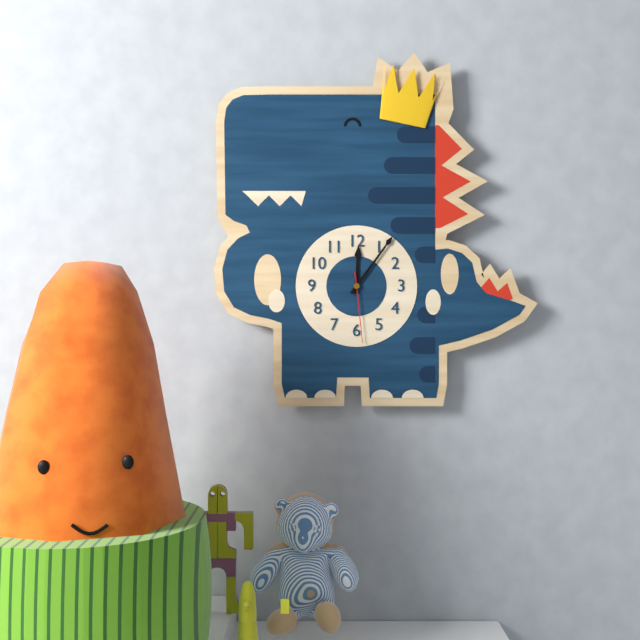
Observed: 12h06m29s
